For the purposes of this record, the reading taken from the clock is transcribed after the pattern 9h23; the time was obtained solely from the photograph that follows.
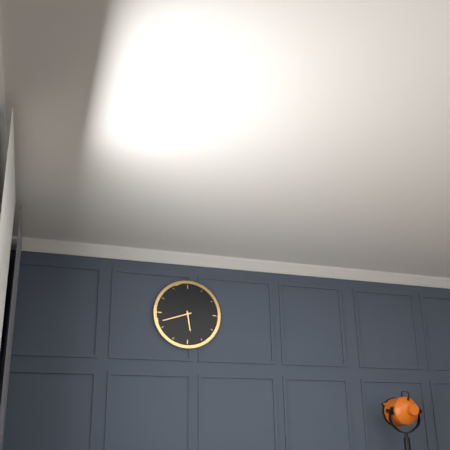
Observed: 5h42
